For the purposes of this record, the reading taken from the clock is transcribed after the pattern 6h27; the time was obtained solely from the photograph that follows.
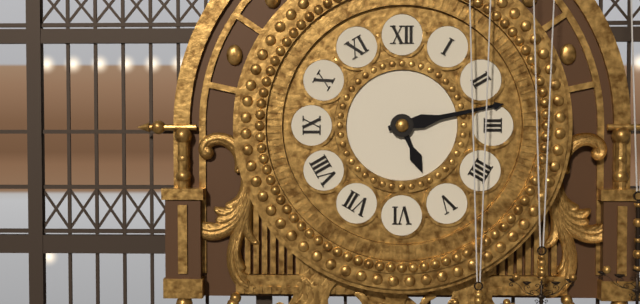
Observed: 5h13
